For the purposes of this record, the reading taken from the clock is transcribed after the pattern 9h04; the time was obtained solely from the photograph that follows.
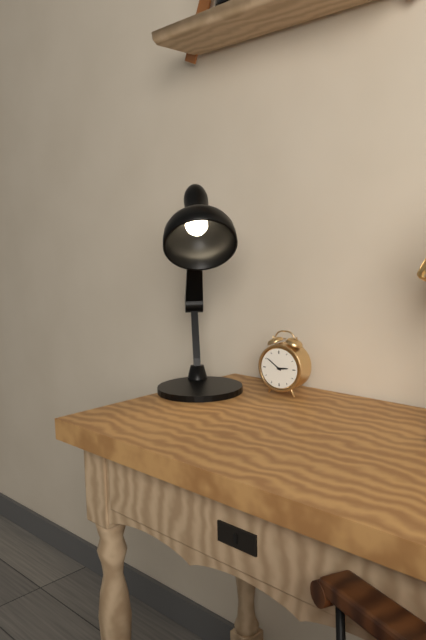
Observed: 2h51
